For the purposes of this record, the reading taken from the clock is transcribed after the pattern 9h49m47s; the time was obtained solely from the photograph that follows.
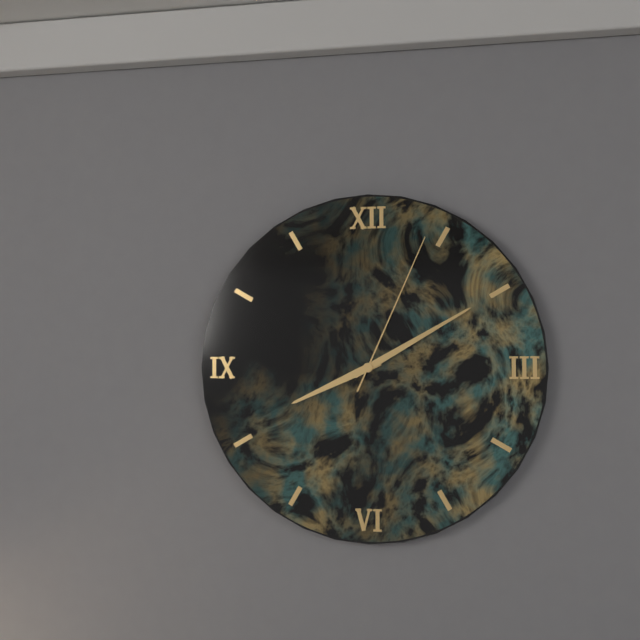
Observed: 8h10m04s
